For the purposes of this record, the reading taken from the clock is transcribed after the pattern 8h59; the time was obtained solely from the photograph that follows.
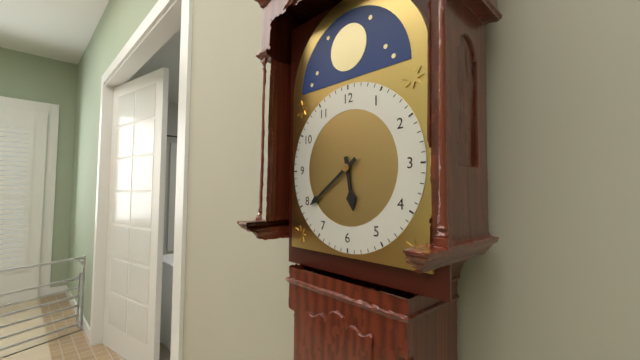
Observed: 5h39
